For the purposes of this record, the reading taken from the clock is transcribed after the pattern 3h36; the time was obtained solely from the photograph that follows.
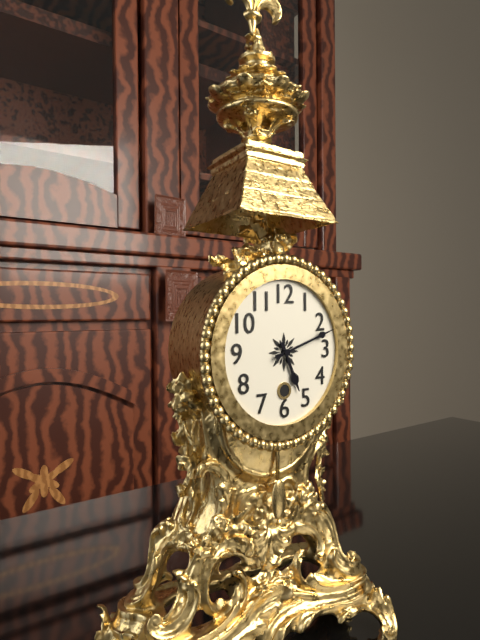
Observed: 5h12
